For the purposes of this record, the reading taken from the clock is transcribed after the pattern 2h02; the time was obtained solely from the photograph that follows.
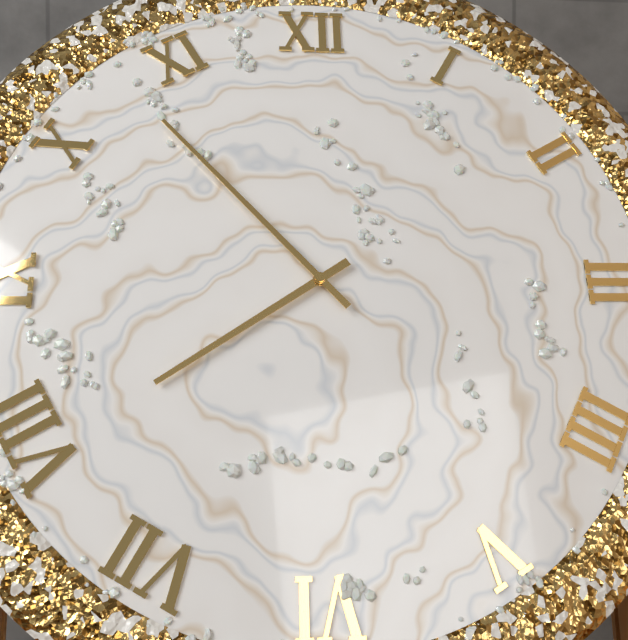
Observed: 7h53
